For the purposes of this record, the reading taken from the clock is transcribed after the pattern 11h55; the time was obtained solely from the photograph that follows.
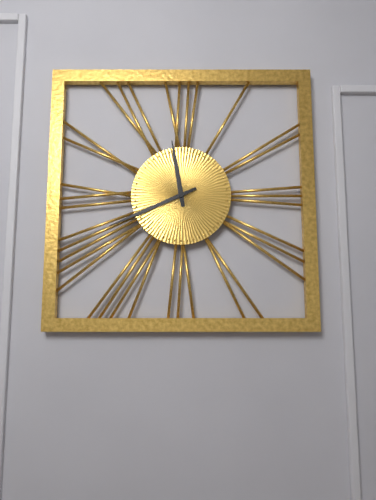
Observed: 11h41
